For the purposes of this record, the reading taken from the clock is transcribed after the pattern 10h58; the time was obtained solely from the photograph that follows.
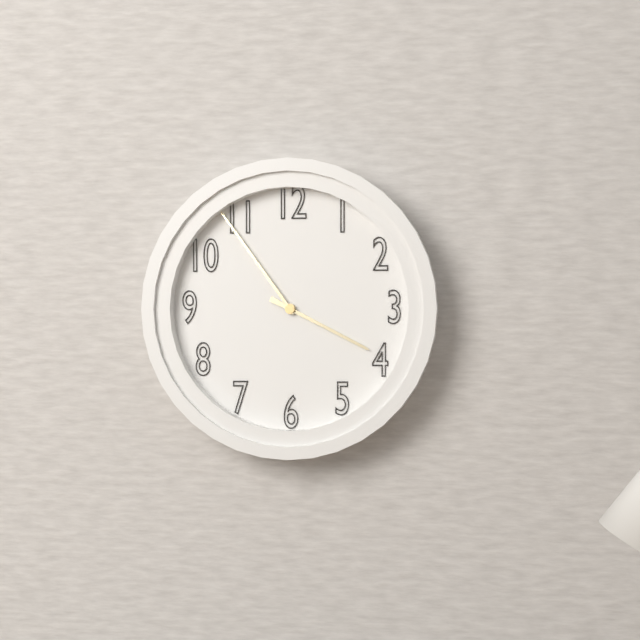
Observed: 3h54
